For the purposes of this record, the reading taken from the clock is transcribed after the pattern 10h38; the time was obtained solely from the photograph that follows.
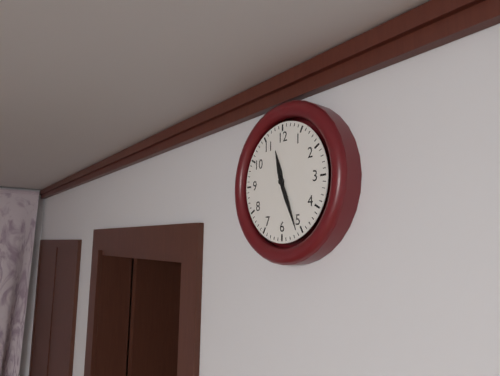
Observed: 11h26
